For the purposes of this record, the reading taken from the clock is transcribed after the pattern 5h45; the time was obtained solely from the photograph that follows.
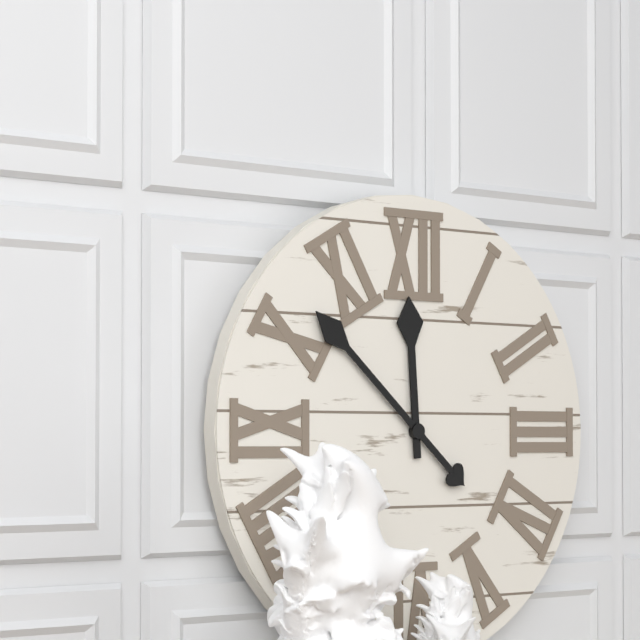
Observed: 11h52
